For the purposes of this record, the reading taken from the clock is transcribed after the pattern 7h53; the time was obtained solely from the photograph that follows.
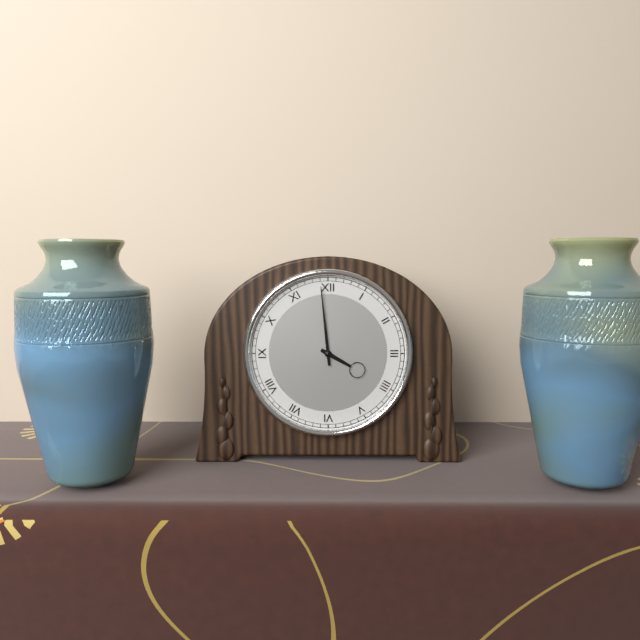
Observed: 3h59
